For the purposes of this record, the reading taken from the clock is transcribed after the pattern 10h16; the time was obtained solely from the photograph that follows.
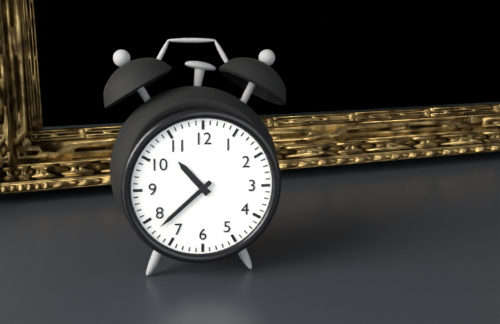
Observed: 10h38
